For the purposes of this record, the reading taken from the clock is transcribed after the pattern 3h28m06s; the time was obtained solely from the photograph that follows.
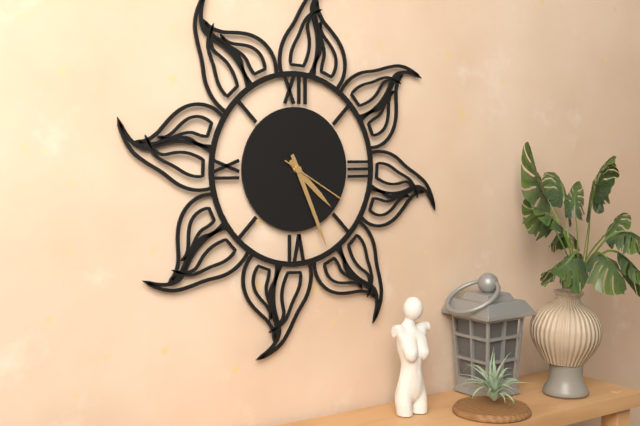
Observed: 4h26m20s
